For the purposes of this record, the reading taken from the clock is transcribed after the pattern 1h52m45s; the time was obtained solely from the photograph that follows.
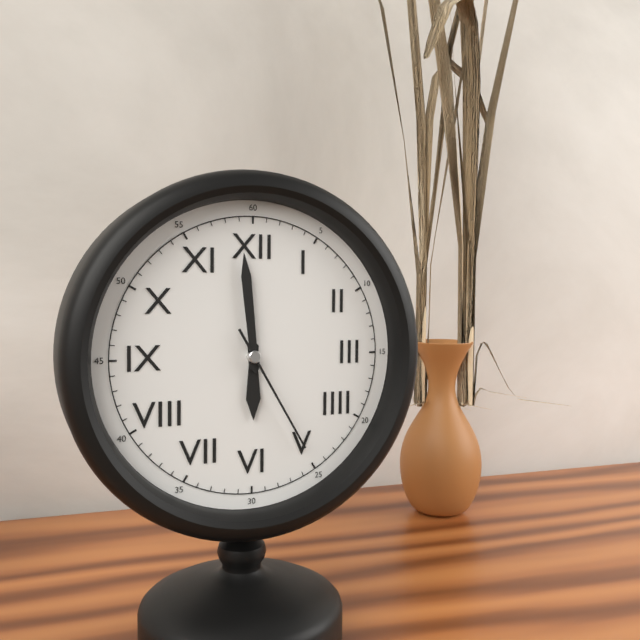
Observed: 5h59m25s
